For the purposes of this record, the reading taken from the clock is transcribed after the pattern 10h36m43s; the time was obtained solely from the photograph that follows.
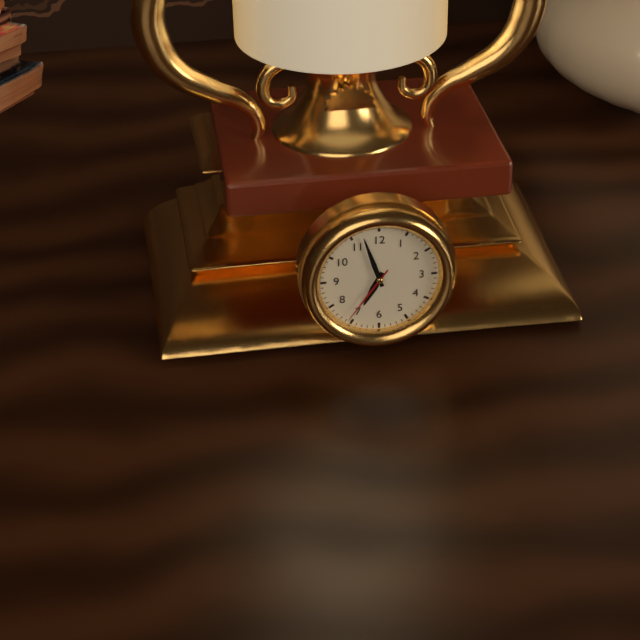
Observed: 6h57m36s
